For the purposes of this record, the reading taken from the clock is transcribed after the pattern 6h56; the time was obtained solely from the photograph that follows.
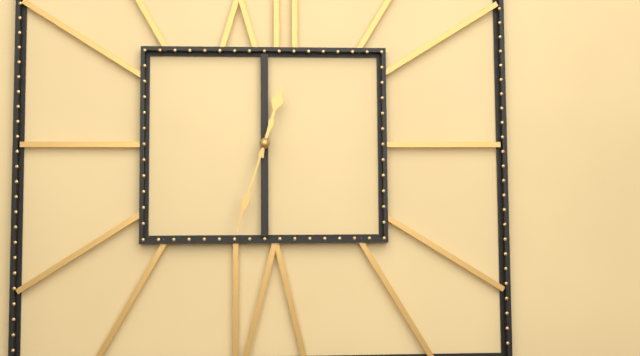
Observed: 12h33
